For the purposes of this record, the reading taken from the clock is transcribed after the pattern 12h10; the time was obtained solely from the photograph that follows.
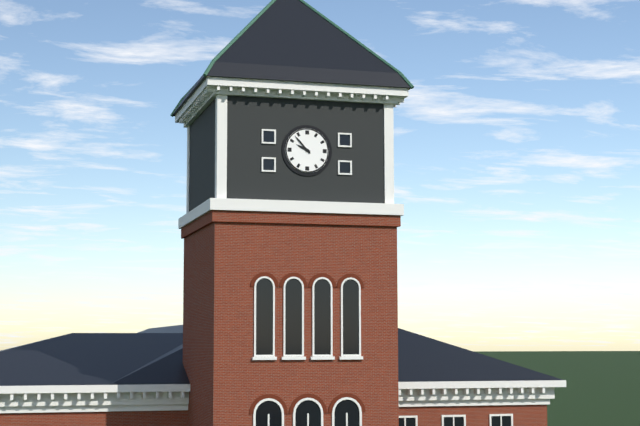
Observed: 9h53
